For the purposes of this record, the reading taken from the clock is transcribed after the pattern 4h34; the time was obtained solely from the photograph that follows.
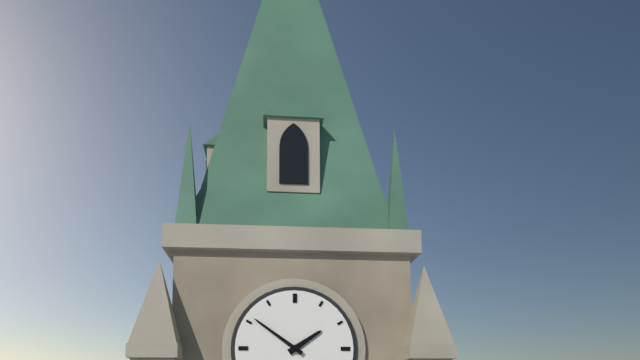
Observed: 1h51
